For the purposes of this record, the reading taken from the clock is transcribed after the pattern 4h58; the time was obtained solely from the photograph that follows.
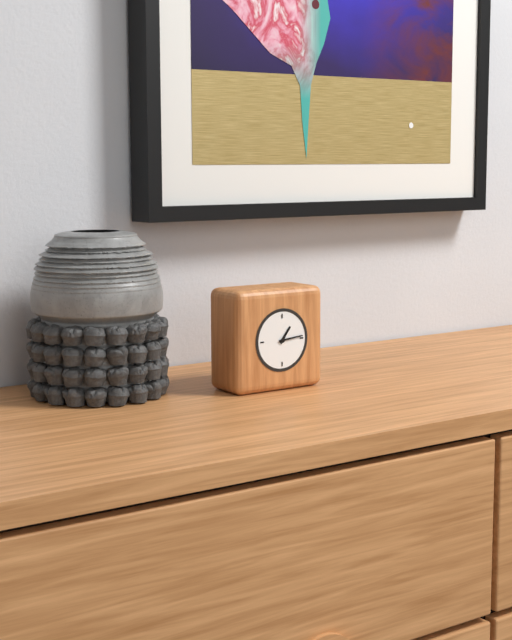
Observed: 1h14
